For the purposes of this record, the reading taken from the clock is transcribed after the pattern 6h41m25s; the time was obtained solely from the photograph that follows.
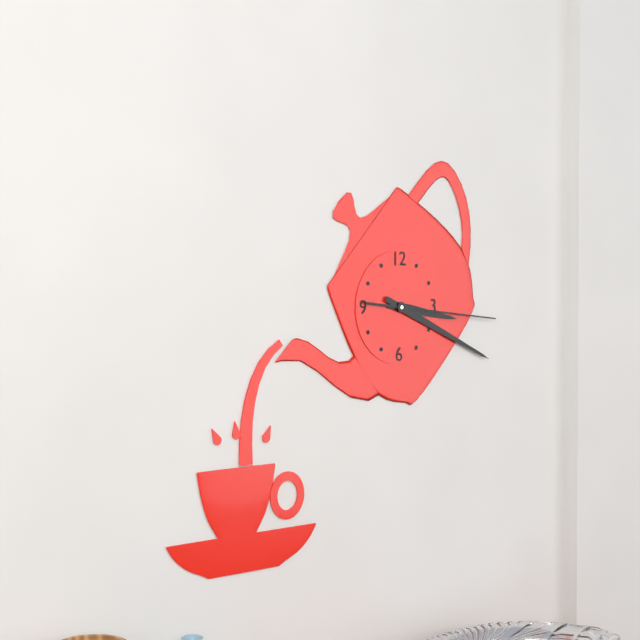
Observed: 3h19m16s
